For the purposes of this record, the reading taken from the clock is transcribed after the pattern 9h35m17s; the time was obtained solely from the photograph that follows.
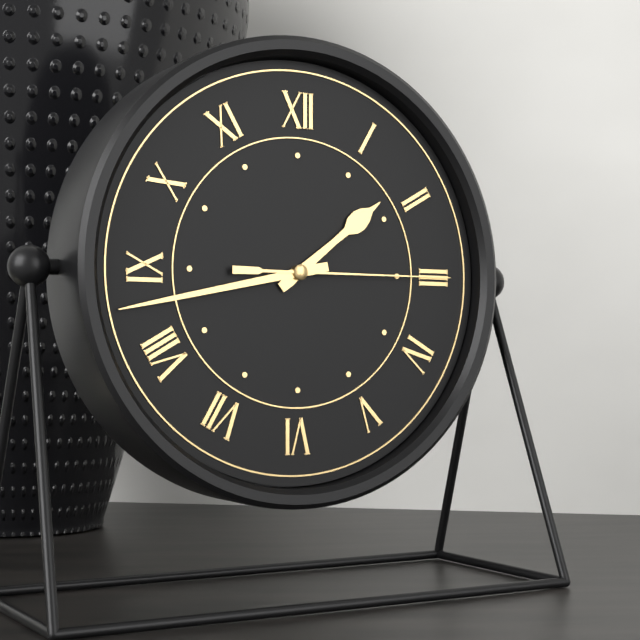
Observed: 1h43m15s
